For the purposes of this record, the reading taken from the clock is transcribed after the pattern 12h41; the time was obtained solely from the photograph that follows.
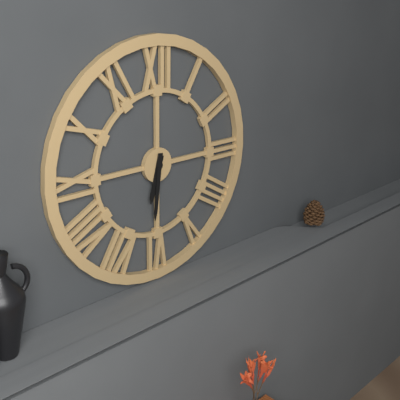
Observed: 6h31
